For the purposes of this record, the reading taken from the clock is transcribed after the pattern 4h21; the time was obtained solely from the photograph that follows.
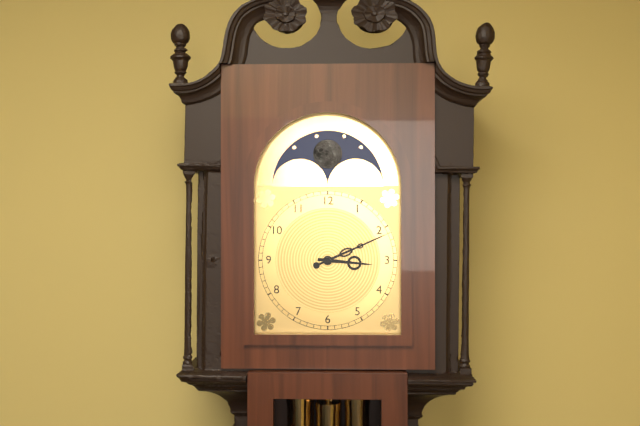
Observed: 3h11
